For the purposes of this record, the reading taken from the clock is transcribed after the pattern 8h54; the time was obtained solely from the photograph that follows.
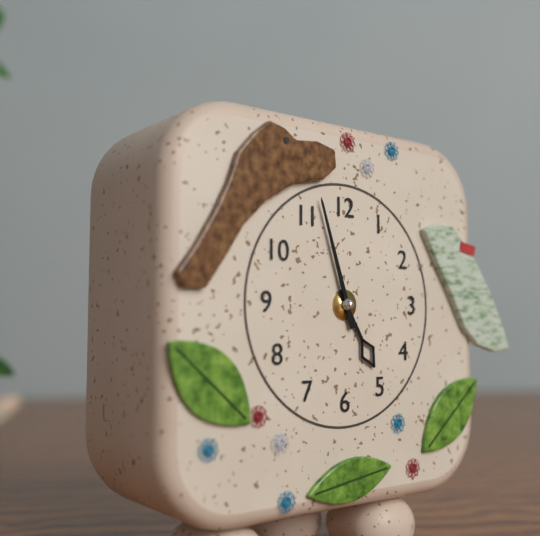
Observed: 4h57
